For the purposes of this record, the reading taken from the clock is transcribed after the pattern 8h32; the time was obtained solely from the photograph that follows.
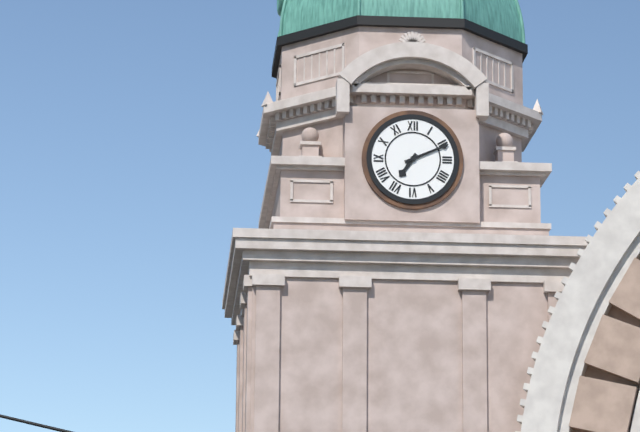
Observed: 7h11
